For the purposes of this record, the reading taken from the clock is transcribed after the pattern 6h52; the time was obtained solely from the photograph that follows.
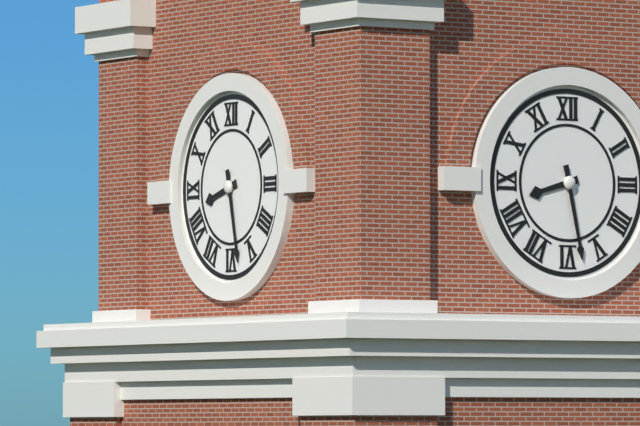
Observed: 8h28
